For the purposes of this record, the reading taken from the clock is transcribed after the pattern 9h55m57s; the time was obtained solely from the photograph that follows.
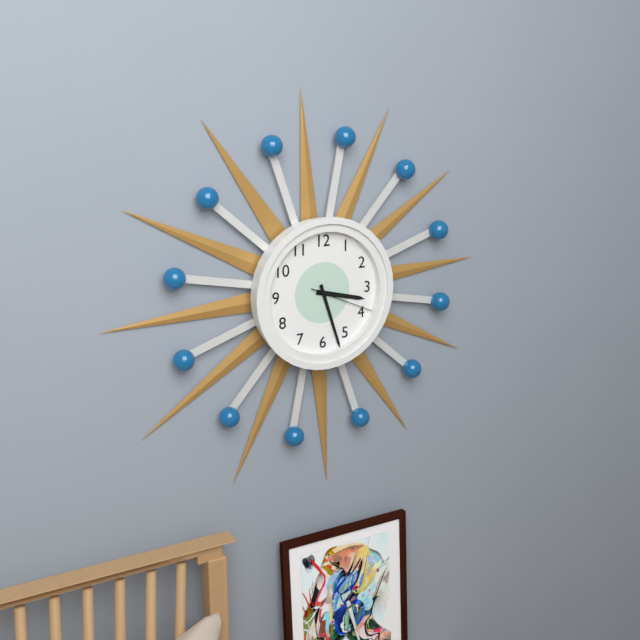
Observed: 3h27m19s
